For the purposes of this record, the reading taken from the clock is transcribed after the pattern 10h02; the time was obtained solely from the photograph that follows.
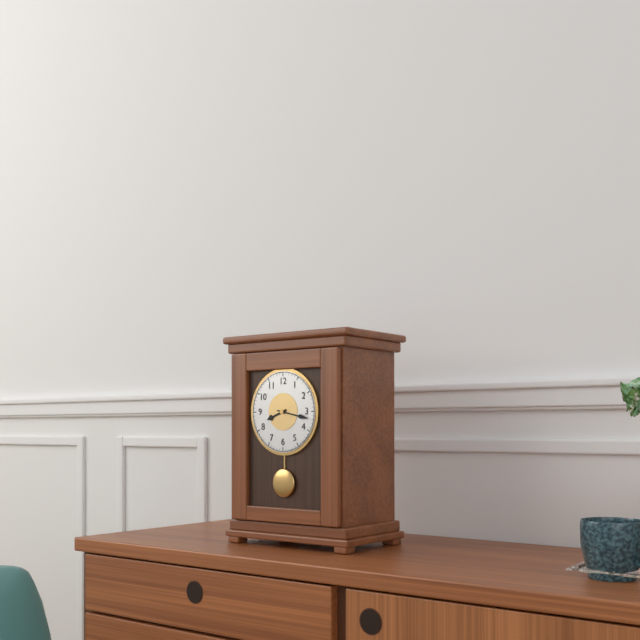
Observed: 8h17
